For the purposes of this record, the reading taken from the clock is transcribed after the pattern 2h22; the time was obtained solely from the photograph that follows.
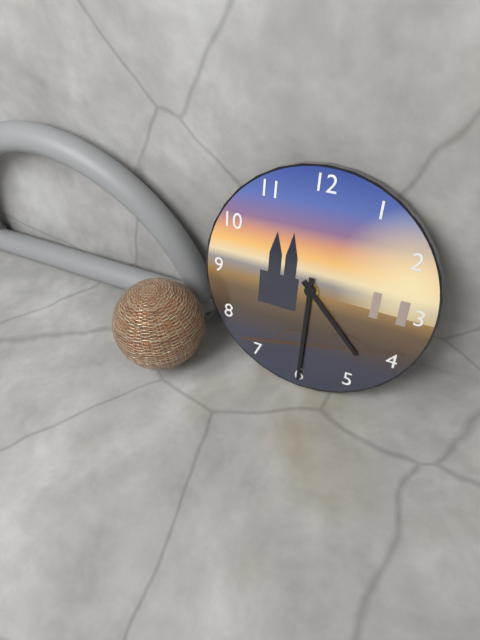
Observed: 4h30
